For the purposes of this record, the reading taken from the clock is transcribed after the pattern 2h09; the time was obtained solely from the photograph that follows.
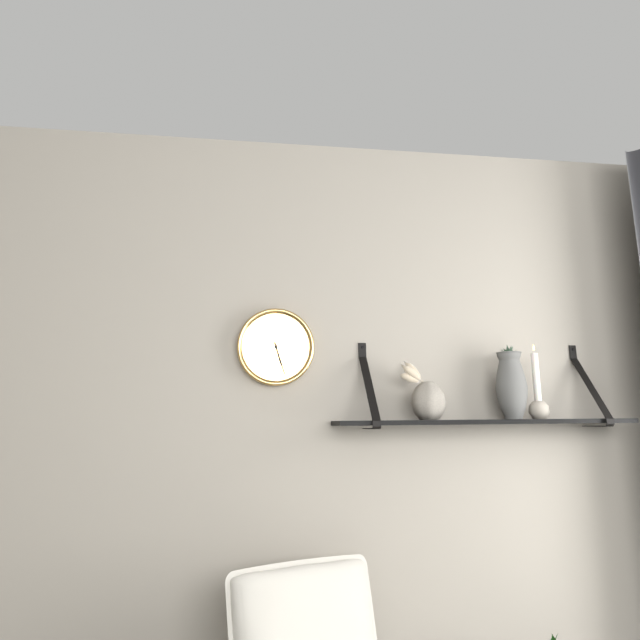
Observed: 5h27
